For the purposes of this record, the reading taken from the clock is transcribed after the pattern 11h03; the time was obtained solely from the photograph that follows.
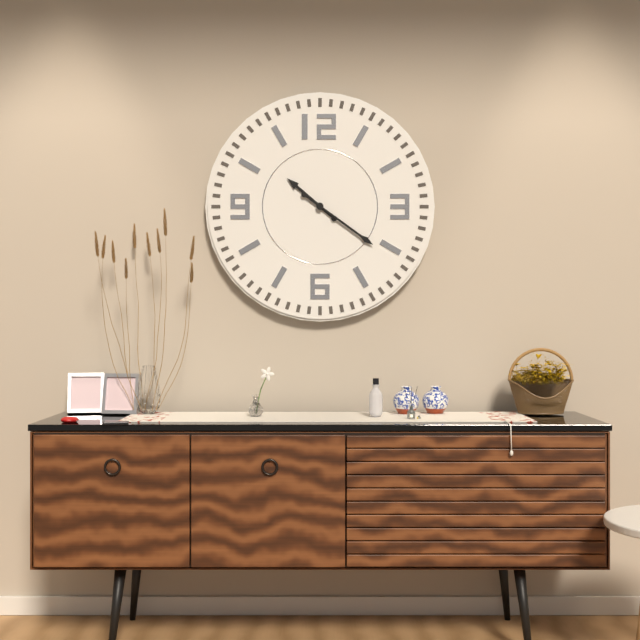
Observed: 10h21
